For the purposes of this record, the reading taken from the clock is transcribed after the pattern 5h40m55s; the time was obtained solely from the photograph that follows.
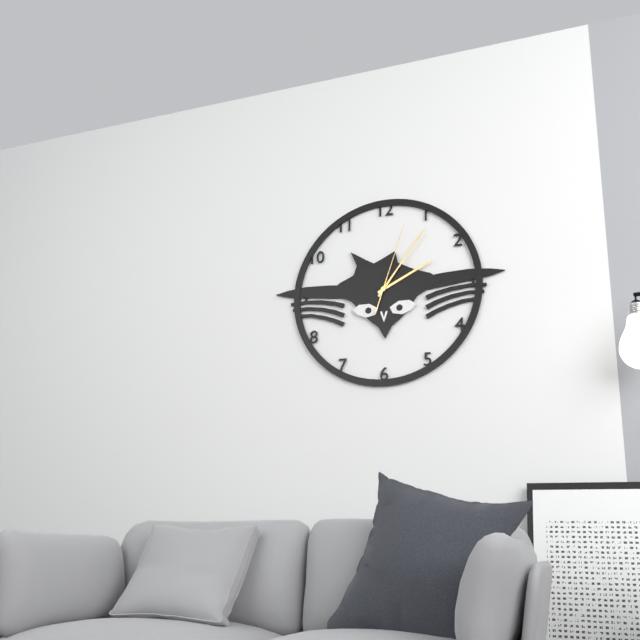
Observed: 2h06m03s
